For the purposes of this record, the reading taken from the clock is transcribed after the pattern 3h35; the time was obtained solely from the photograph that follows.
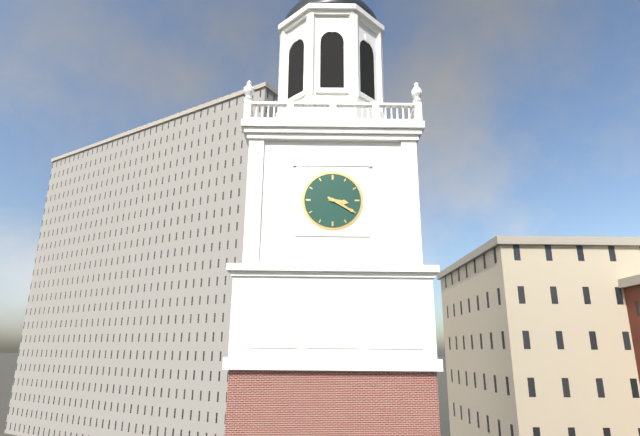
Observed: 3h20
